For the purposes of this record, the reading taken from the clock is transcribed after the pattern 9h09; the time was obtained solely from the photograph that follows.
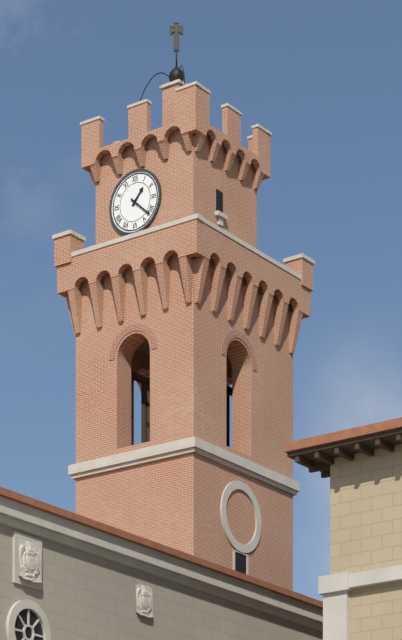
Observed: 1h22
